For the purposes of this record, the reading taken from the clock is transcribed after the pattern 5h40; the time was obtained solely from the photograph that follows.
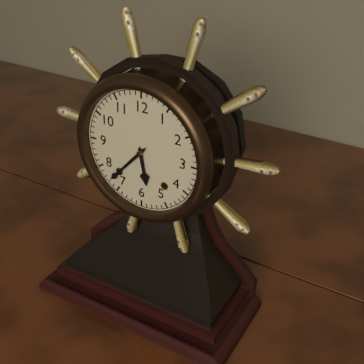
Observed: 5h37
